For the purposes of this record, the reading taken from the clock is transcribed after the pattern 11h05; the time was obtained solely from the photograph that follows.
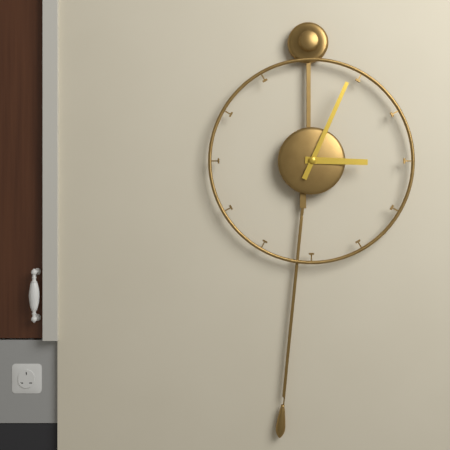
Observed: 3h04
